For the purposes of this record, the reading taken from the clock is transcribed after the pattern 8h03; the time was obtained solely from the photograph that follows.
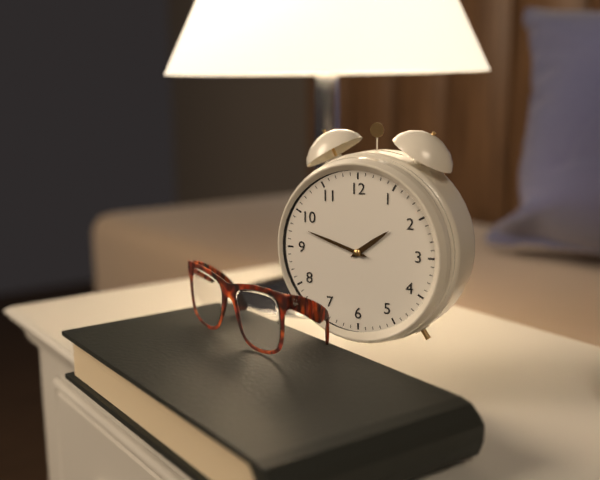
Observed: 1h48
